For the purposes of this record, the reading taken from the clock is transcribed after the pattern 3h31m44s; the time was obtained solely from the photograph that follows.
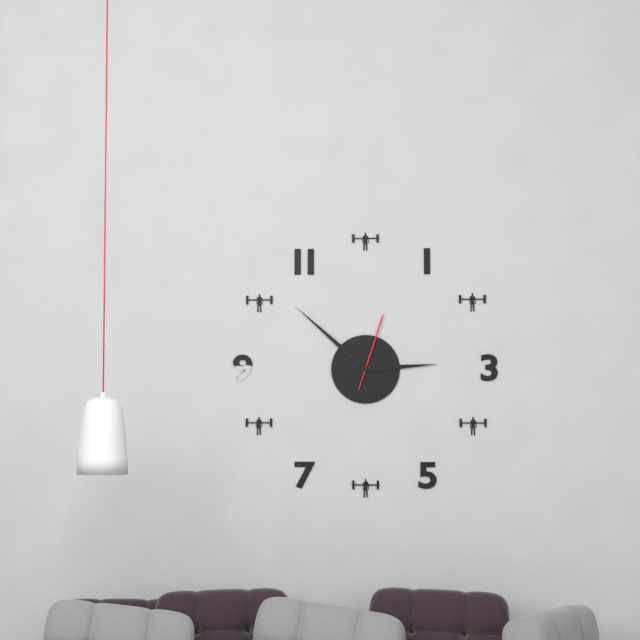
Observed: 2h52m03s
